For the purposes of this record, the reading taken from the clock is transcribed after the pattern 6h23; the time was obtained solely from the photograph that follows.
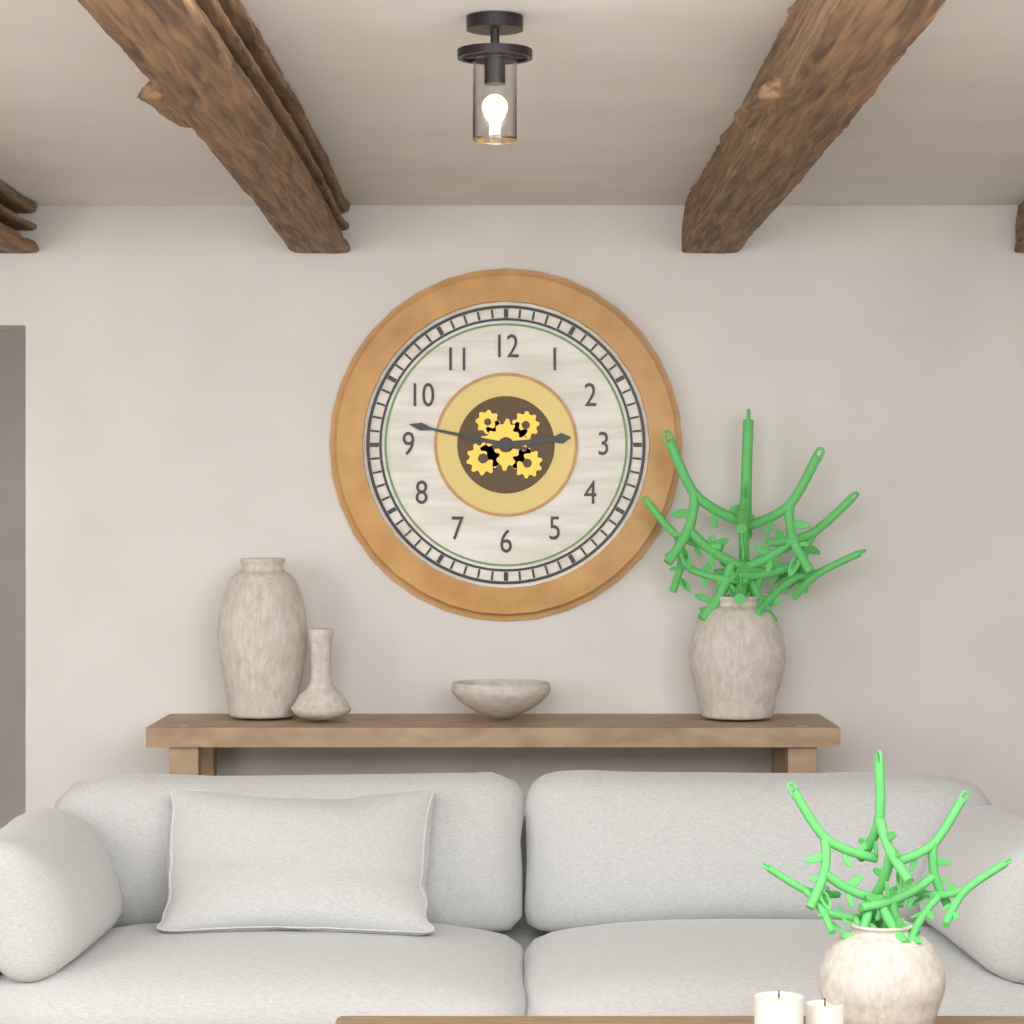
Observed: 2h47
